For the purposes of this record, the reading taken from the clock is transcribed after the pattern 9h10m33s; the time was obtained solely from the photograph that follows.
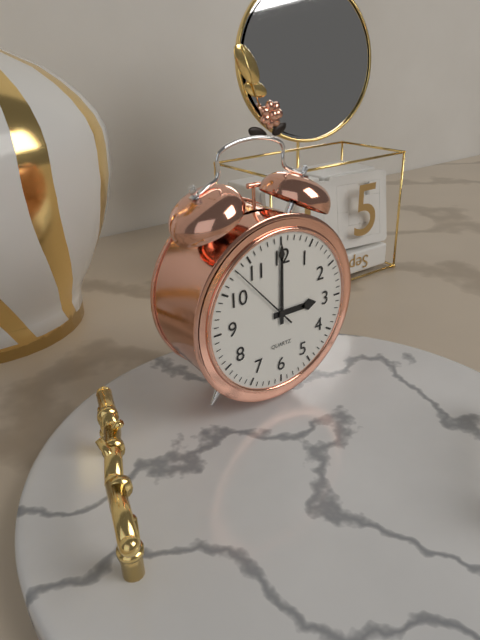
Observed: 3h00m53s
